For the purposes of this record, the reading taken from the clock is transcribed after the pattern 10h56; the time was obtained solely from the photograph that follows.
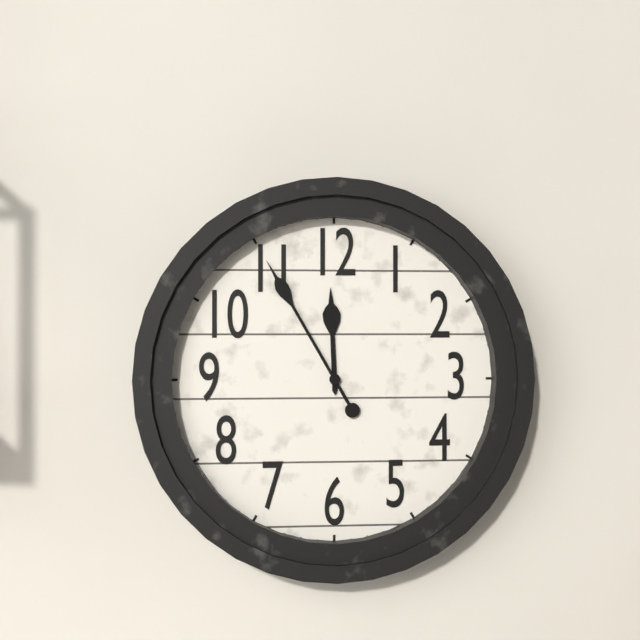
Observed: 11h55
